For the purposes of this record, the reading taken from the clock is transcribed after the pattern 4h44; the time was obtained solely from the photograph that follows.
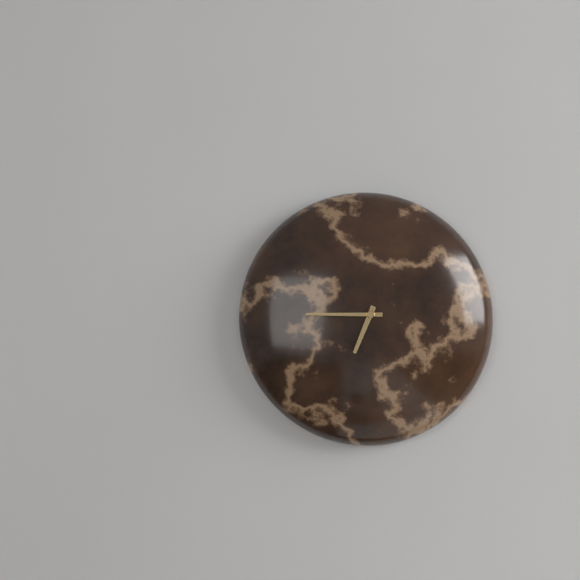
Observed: 6h45
